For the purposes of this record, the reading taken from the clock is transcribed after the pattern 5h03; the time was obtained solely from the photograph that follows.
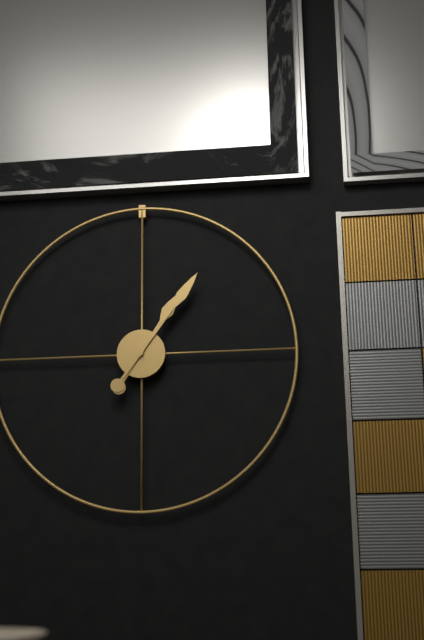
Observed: 1h06
